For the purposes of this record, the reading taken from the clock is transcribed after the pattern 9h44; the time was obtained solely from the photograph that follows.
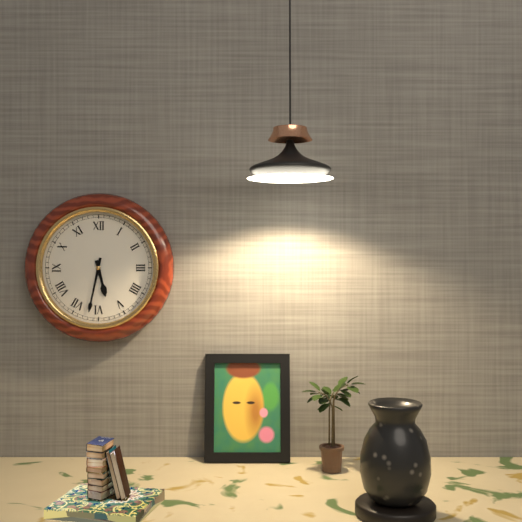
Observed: 5h32
